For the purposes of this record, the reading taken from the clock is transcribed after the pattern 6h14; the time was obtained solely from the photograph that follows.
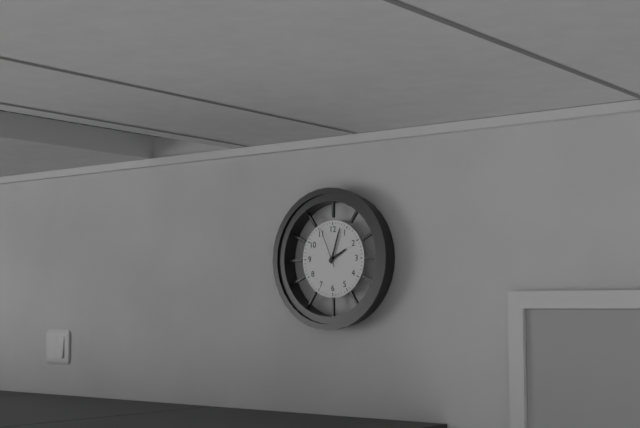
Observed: 2h03
